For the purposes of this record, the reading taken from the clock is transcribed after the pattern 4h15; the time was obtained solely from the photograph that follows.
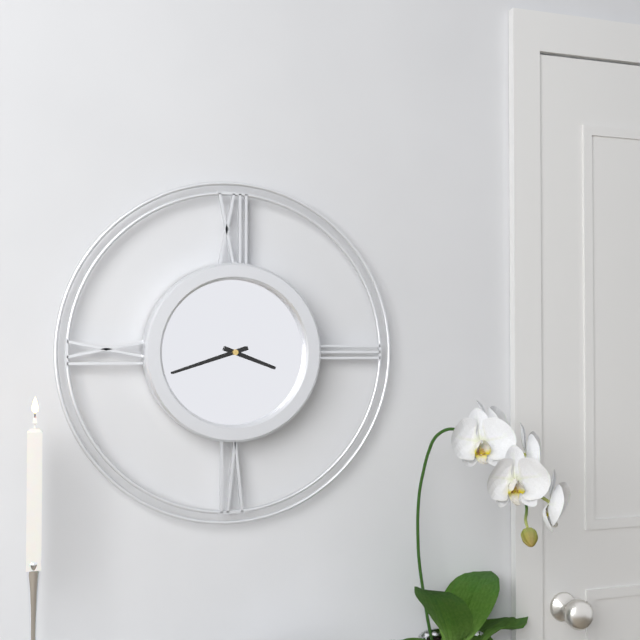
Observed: 3h42
